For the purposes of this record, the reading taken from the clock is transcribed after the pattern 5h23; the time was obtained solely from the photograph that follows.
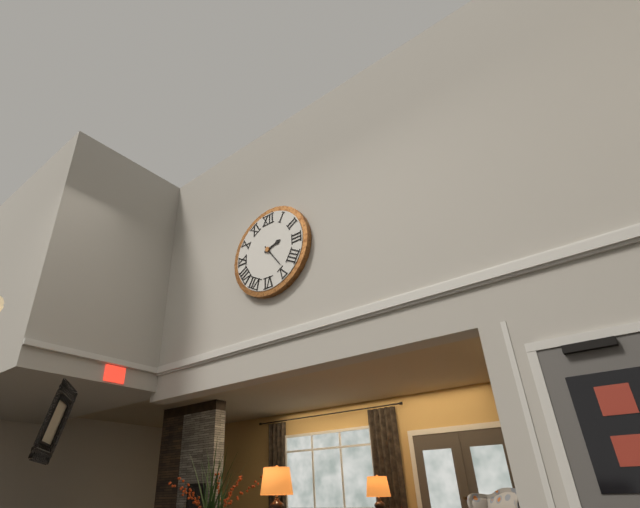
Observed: 2h24
